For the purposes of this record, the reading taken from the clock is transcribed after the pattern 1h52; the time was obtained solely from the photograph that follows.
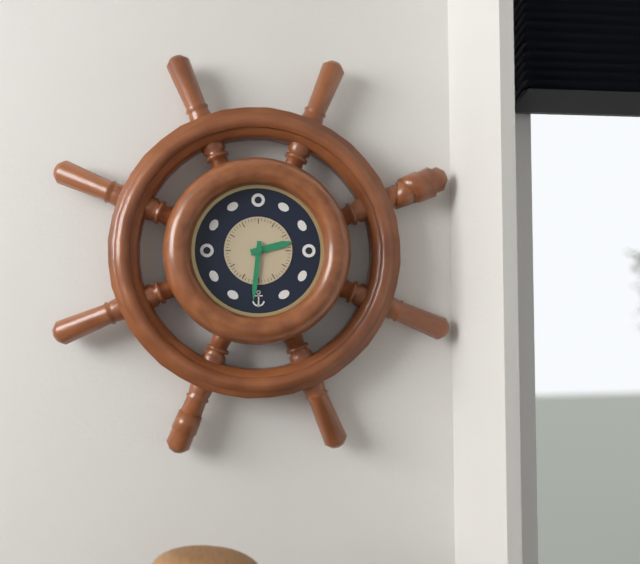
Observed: 2h31
